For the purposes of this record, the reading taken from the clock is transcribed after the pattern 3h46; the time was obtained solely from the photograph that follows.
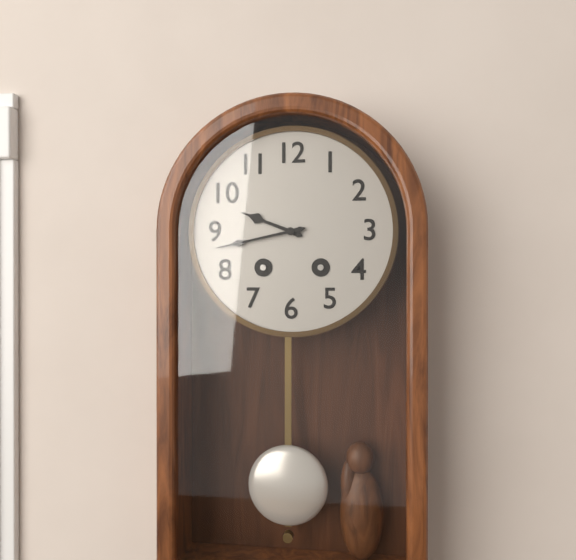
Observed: 9h43
